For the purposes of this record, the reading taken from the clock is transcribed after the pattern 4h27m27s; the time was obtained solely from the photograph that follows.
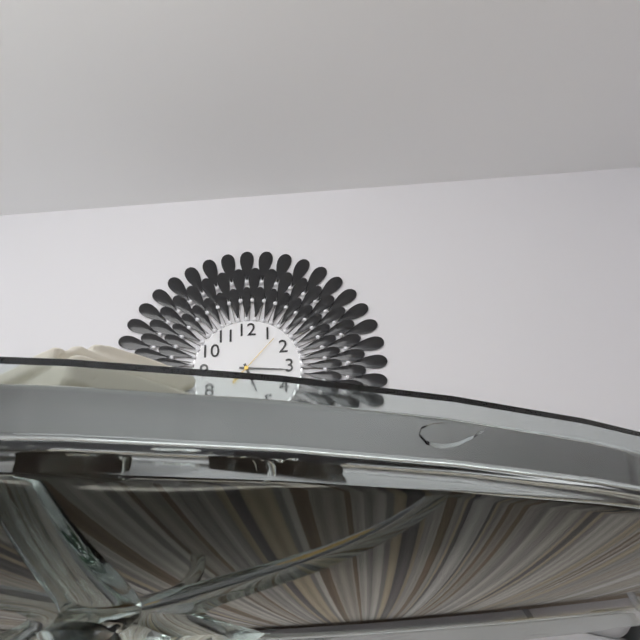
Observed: 5h16m07s
